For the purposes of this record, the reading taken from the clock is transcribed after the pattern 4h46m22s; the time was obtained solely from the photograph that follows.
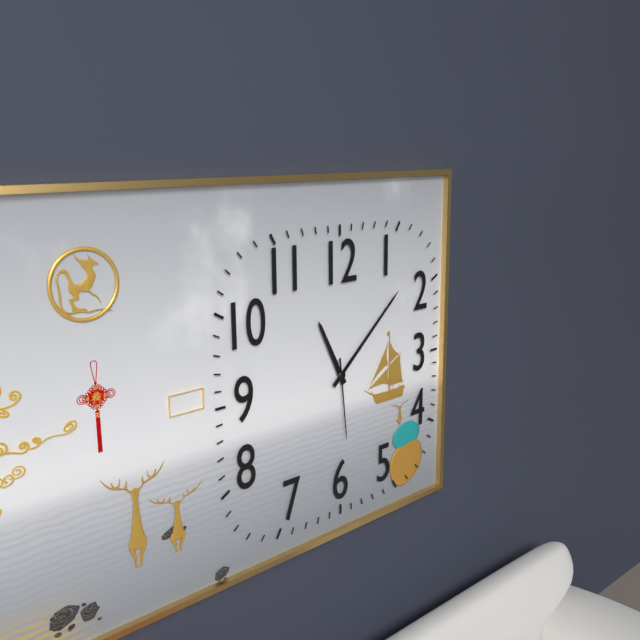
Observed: 11h08m29s
